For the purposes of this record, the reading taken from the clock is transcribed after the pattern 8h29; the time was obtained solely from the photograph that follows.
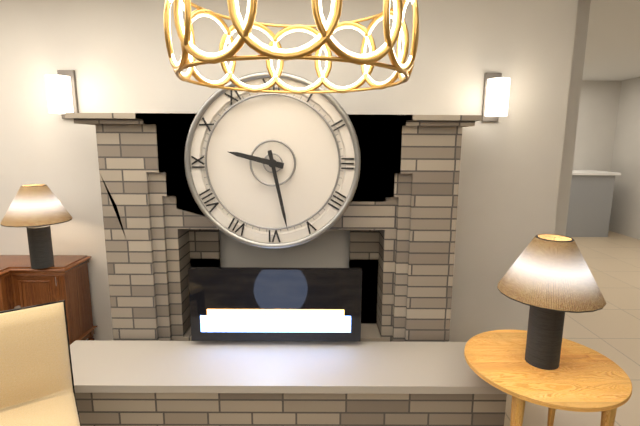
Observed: 9h28
